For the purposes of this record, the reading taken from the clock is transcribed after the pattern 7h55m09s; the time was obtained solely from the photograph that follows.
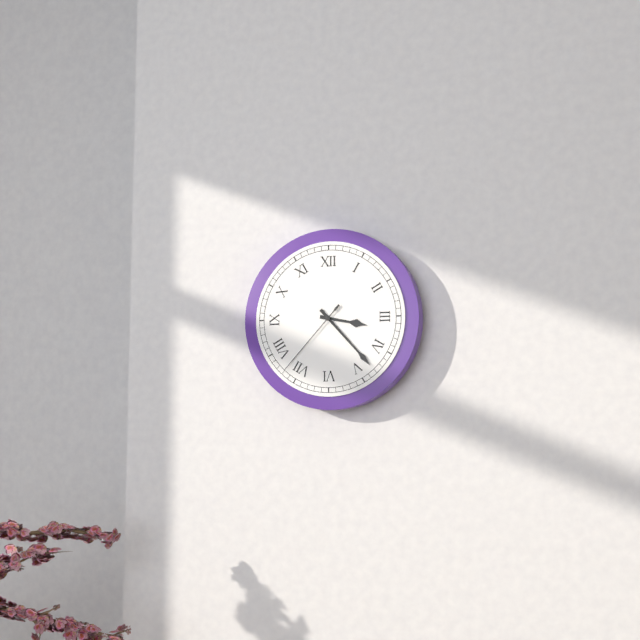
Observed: 3h23m37s
